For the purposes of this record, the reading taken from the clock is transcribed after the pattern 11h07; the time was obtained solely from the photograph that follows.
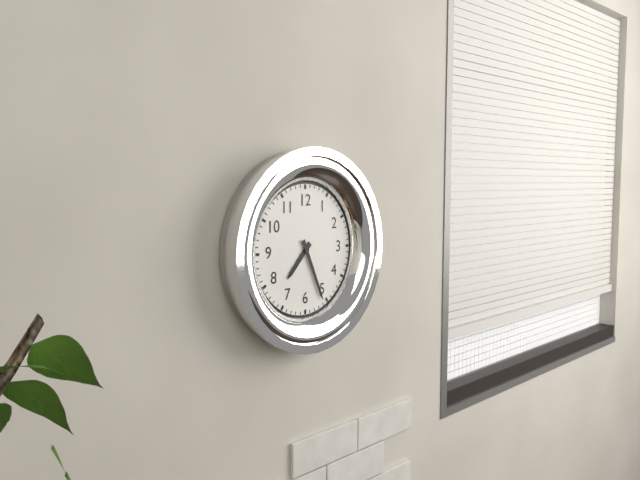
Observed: 7h26
